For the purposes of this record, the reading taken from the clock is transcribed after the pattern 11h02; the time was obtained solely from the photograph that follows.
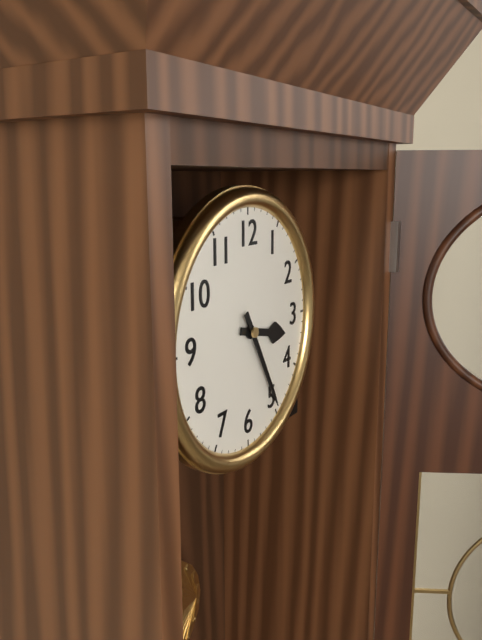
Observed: 3h25
